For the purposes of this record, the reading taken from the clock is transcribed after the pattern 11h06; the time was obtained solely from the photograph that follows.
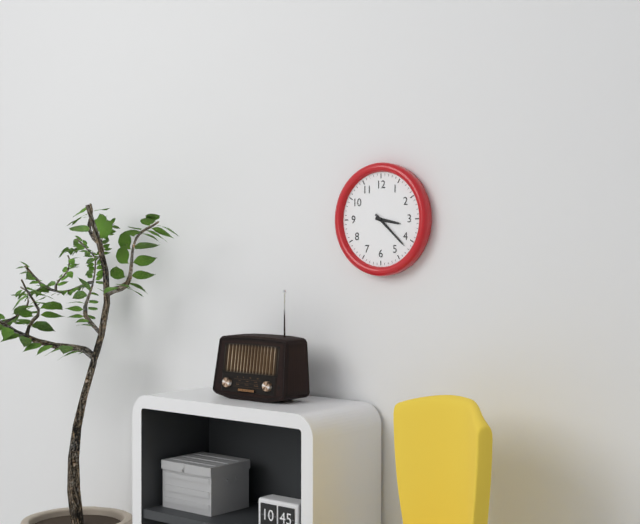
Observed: 3h22
